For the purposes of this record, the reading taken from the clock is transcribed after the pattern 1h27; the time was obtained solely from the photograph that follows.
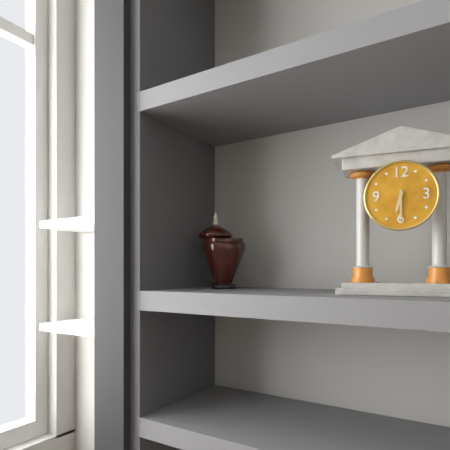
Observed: 6h30
